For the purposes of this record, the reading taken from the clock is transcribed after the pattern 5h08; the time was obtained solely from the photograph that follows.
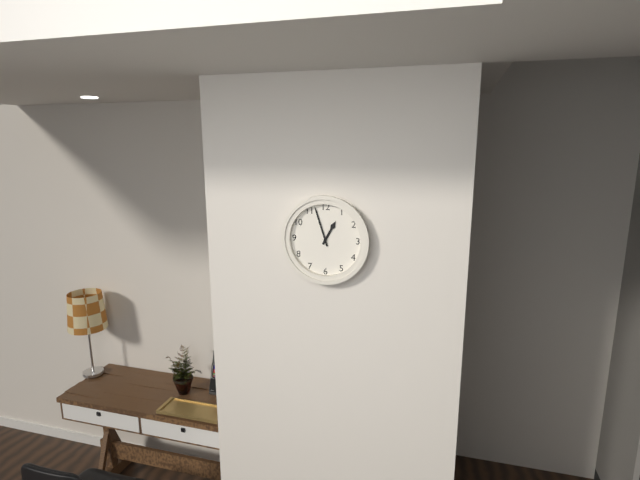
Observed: 12h57
